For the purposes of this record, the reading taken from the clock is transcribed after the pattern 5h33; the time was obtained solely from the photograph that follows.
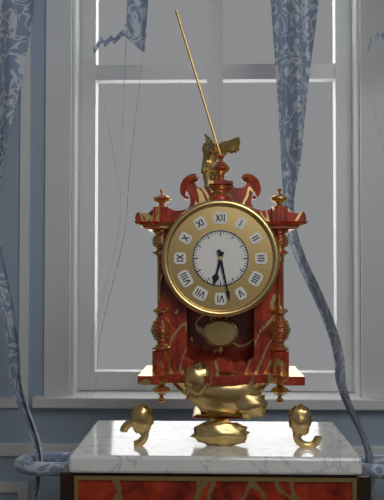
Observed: 6h28
